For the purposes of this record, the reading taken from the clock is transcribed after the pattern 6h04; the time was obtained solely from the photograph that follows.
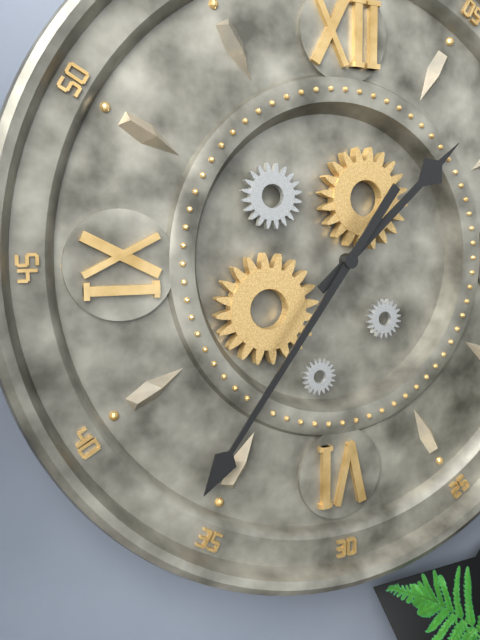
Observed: 1h36
